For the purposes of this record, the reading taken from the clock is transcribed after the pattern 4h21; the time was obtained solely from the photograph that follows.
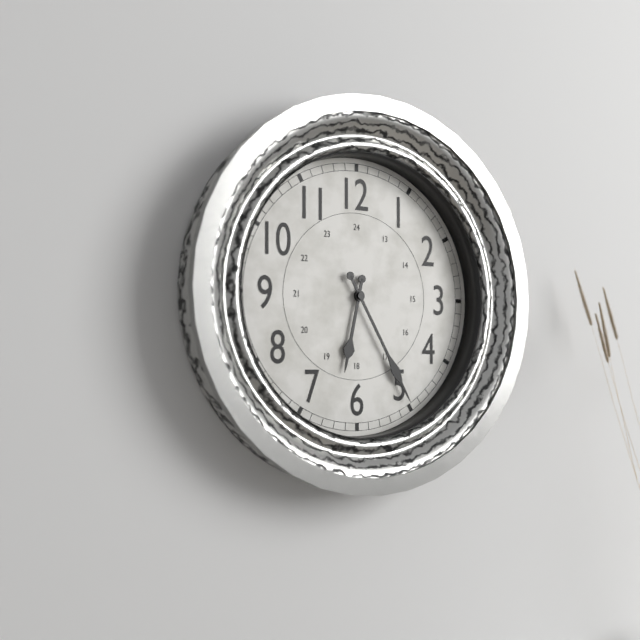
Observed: 6h25
